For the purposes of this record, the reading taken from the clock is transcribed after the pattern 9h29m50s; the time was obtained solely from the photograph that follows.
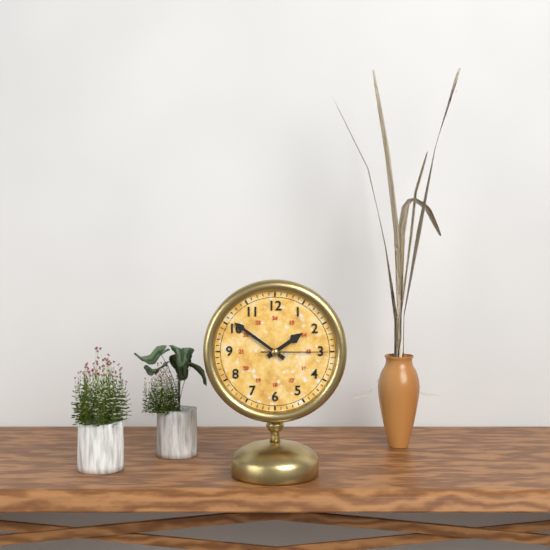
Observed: 1h51m15s
